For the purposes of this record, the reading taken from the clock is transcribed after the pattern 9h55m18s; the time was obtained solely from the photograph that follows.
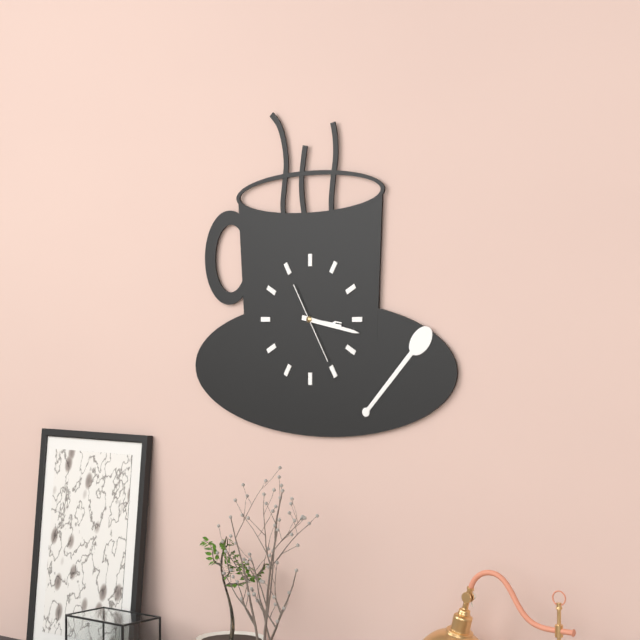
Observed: 3h17m25s
